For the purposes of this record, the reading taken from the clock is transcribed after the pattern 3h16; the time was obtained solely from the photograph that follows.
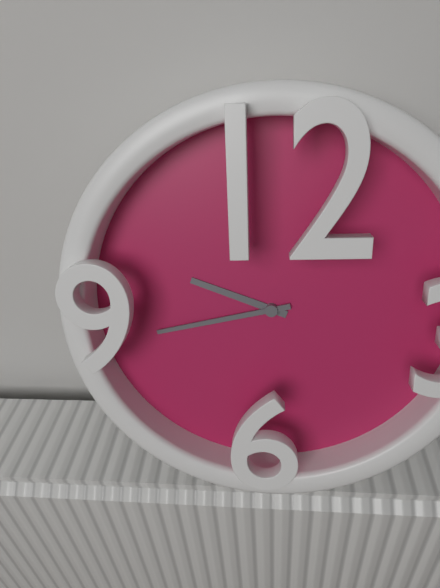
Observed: 9h43
